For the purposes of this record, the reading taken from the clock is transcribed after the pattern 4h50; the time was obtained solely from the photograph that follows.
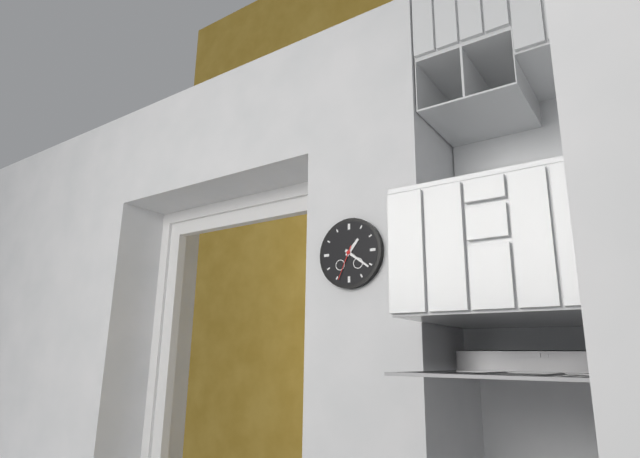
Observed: 1h21
